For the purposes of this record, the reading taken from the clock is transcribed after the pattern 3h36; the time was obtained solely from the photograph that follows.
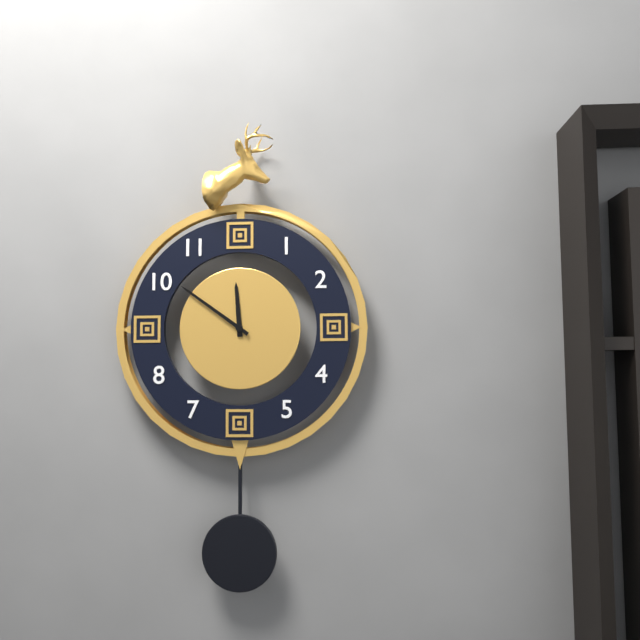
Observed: 11h51
